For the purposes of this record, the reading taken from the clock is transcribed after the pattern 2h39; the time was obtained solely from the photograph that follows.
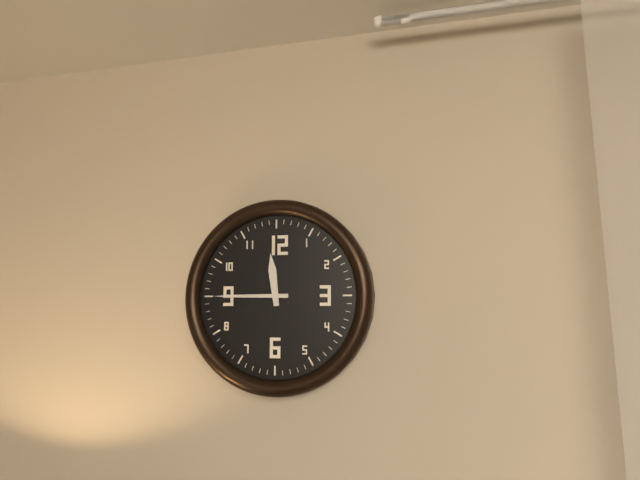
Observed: 11h45
